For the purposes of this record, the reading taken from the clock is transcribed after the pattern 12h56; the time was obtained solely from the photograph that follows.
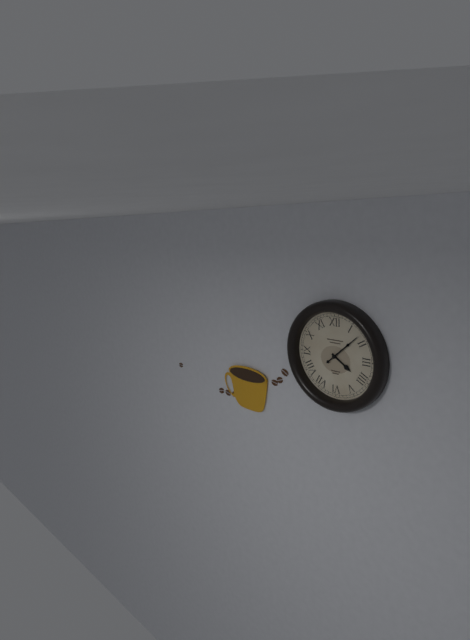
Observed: 4h08
